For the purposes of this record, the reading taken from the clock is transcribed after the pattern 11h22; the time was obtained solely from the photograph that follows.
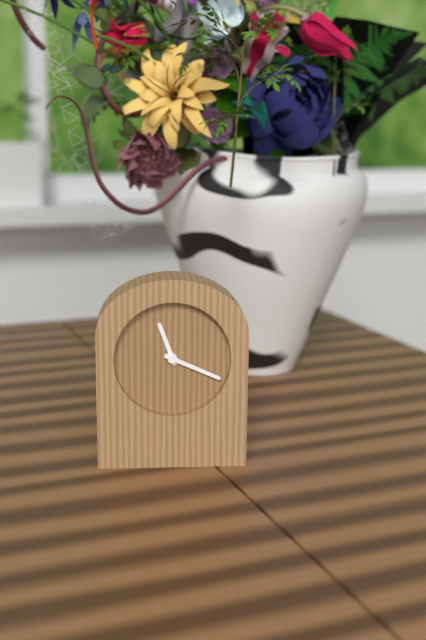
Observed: 11h19
